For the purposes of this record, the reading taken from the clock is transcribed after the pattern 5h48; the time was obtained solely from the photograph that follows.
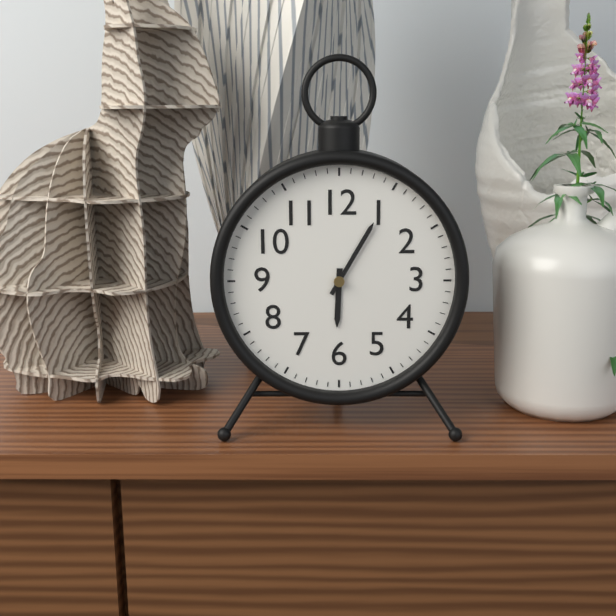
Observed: 6h05
